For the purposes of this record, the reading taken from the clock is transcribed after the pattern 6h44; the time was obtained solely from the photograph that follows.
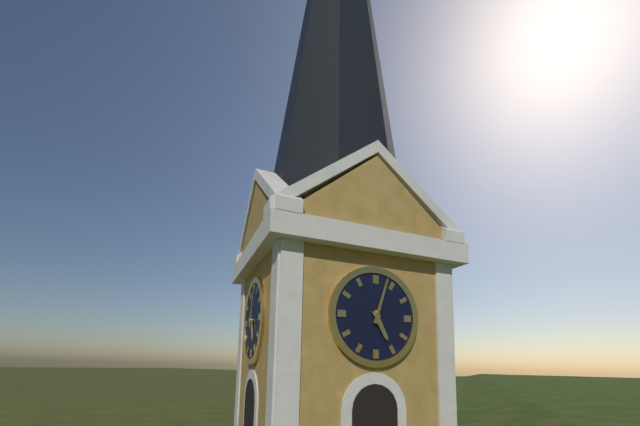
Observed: 5h03
